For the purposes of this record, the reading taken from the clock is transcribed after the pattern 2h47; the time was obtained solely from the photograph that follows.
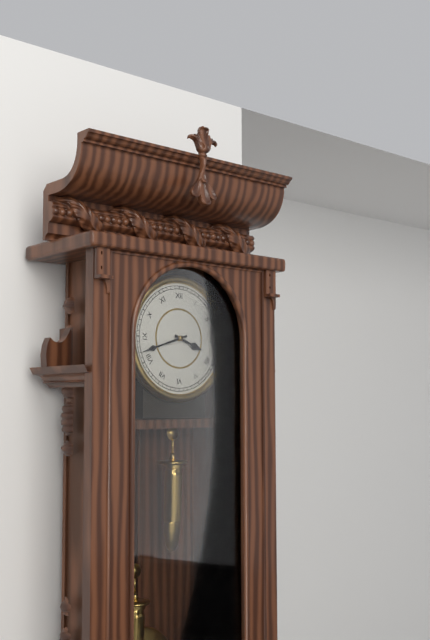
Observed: 3h42
